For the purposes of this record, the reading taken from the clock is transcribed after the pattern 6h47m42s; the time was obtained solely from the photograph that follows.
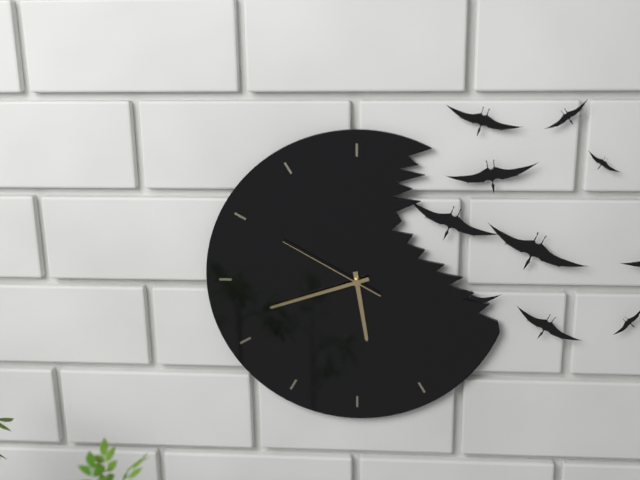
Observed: 5h42m50s
